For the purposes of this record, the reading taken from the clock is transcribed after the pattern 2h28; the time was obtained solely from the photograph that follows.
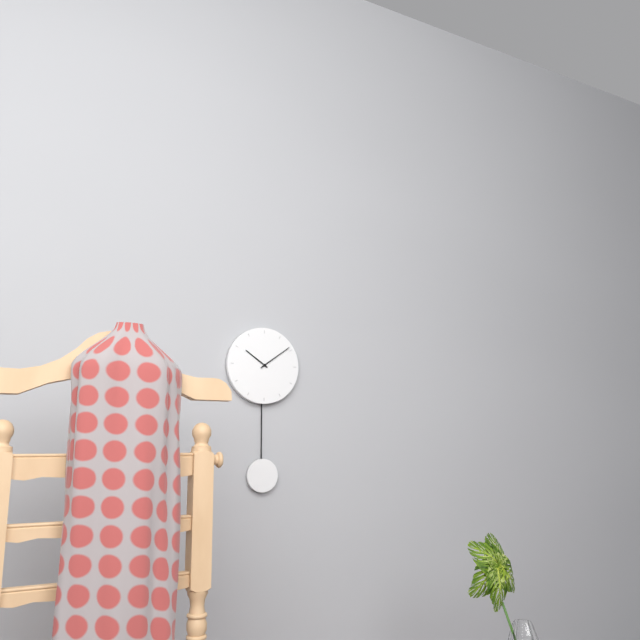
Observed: 10h09
